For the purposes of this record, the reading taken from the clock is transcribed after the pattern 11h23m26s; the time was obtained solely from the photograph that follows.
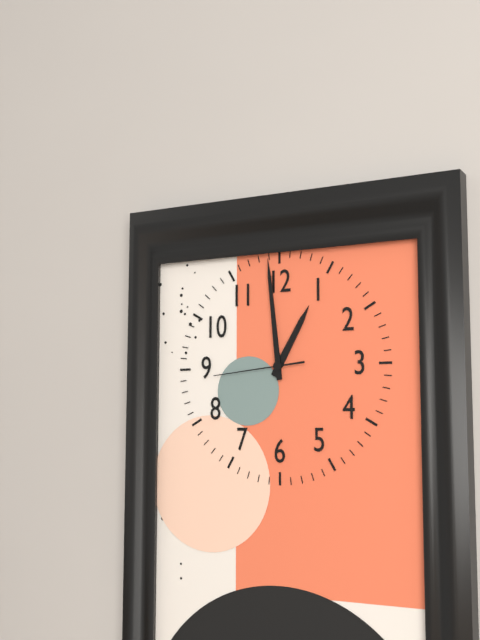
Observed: 12h59m44s
